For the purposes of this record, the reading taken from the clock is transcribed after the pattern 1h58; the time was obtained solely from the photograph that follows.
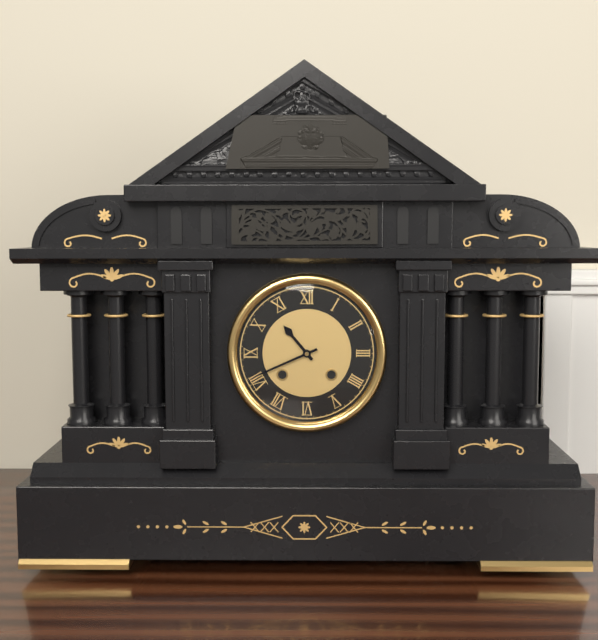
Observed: 10h41
